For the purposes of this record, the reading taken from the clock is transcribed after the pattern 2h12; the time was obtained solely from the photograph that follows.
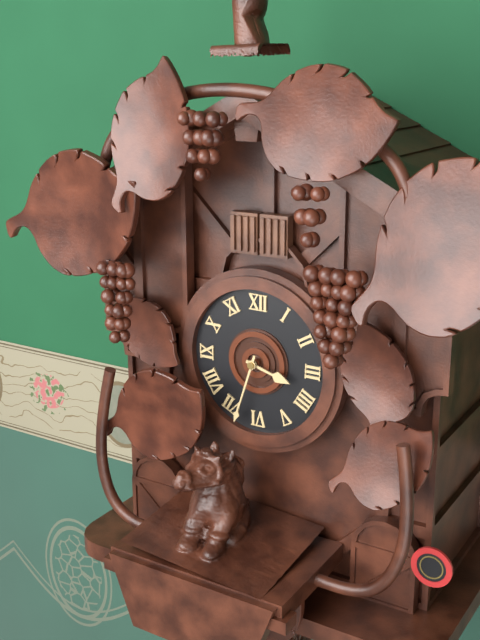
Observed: 3h33
